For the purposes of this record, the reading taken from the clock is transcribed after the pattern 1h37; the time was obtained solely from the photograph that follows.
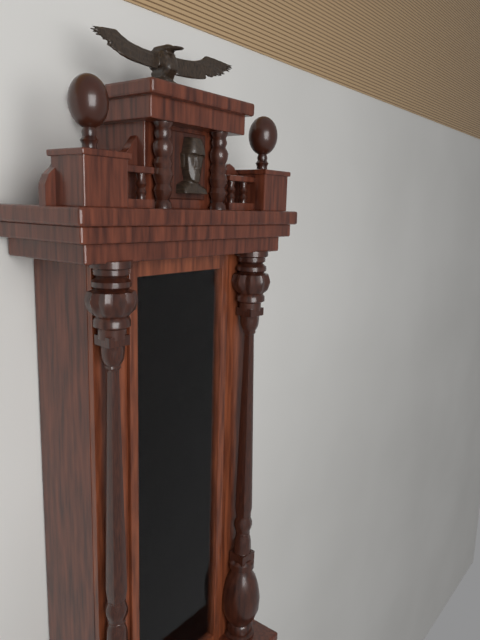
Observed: 3h54
